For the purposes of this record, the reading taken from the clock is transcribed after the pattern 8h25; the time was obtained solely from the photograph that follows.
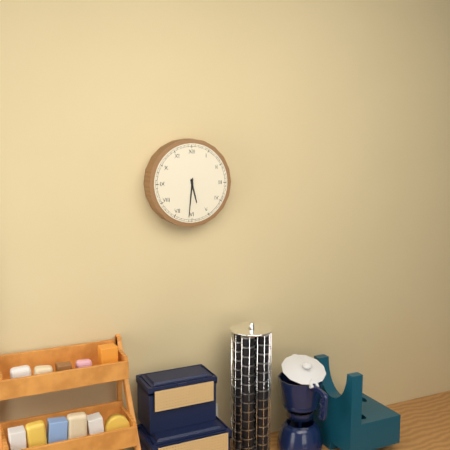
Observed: 5h31
